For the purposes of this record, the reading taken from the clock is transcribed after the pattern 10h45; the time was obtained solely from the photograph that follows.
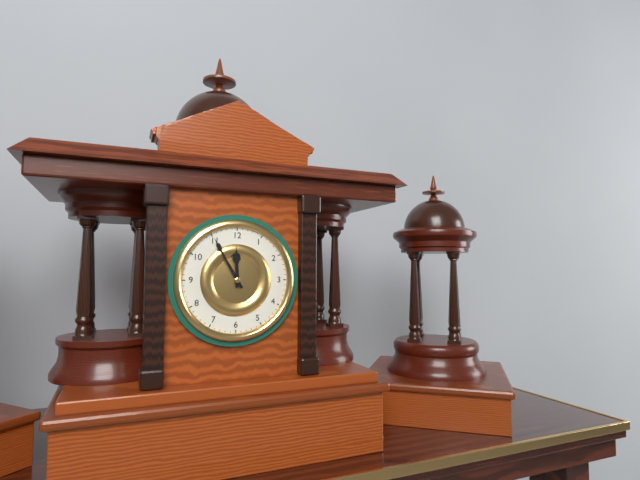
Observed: 11h55
